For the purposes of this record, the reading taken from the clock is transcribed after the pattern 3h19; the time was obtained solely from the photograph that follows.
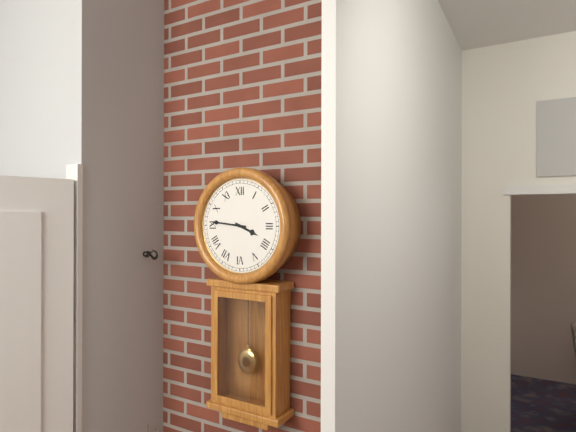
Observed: 3h46
